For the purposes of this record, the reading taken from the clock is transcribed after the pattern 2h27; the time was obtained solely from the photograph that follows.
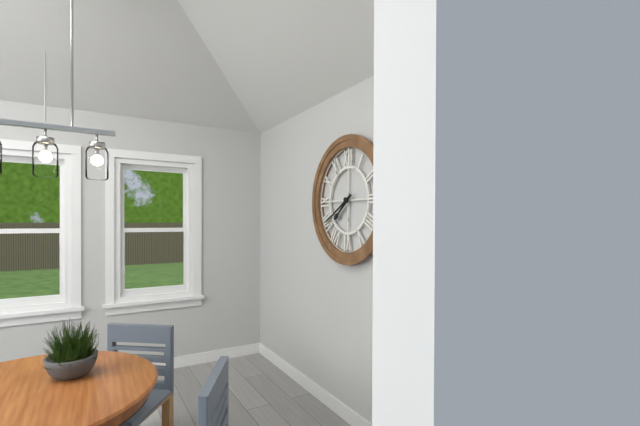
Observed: 7h40
